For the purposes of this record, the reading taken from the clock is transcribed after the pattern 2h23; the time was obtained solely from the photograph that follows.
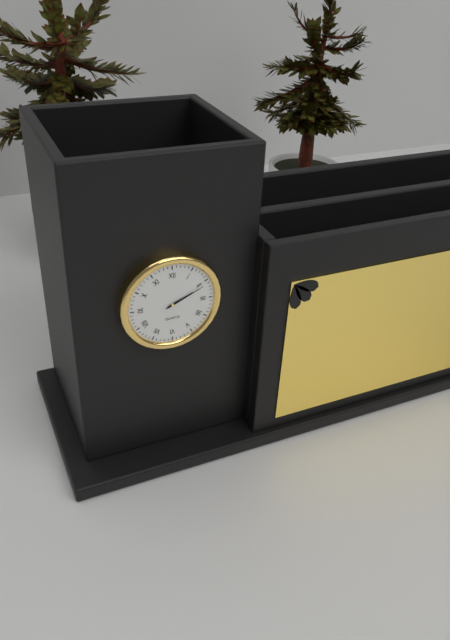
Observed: 2h11
